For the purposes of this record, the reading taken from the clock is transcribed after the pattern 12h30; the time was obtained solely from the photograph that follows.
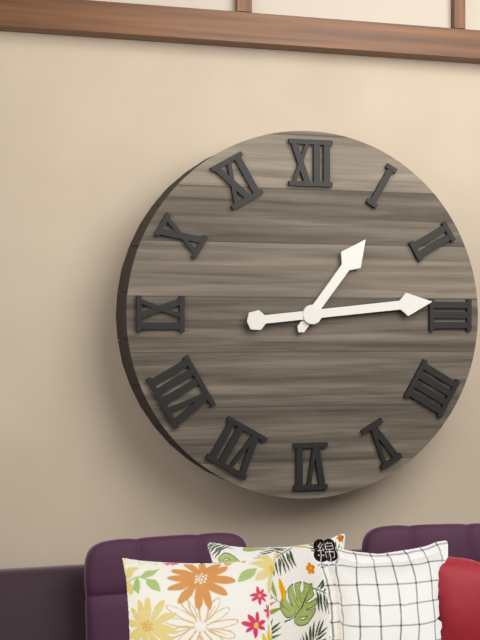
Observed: 1h14
